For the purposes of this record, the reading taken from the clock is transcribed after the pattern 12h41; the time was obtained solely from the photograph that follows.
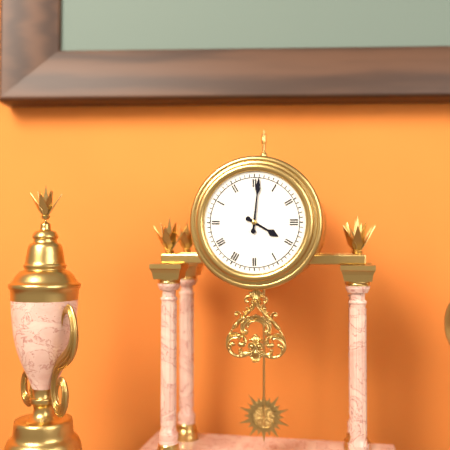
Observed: 4h01
